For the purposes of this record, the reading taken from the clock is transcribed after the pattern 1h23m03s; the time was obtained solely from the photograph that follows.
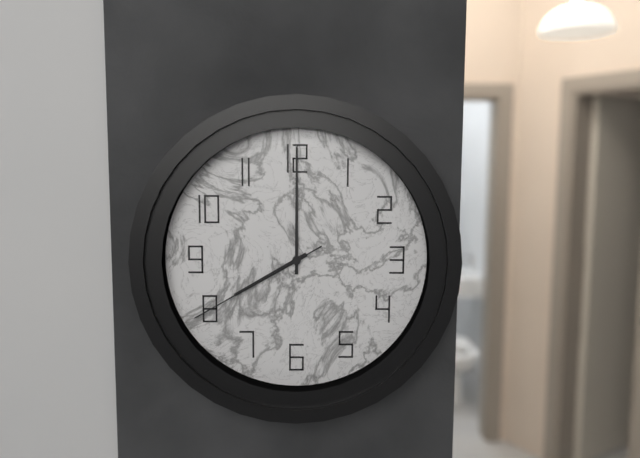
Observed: 8h00m40s
